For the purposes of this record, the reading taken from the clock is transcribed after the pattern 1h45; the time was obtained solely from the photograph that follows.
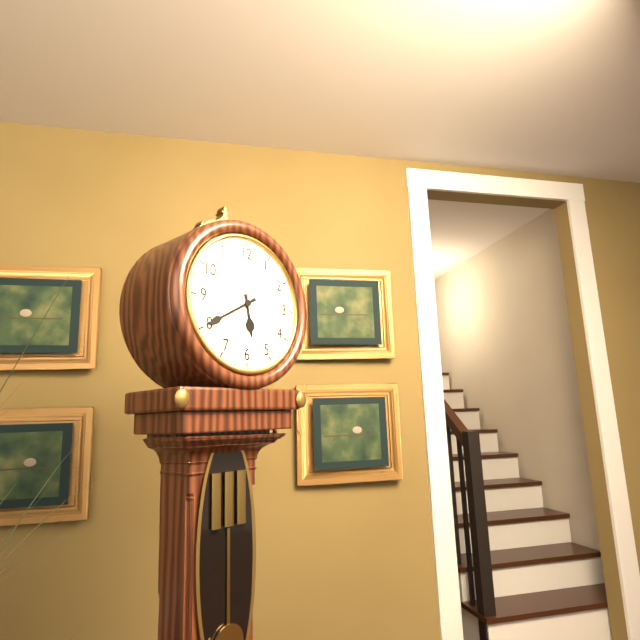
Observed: 5h40
